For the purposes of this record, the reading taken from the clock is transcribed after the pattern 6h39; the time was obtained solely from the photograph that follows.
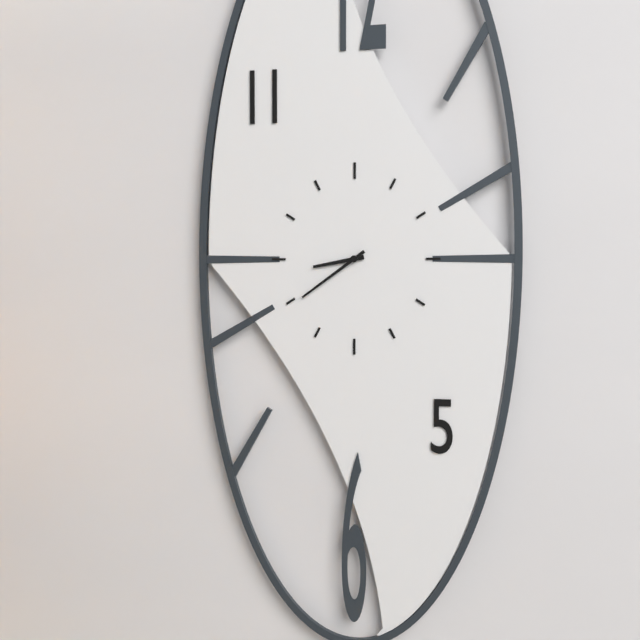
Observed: 8h39
